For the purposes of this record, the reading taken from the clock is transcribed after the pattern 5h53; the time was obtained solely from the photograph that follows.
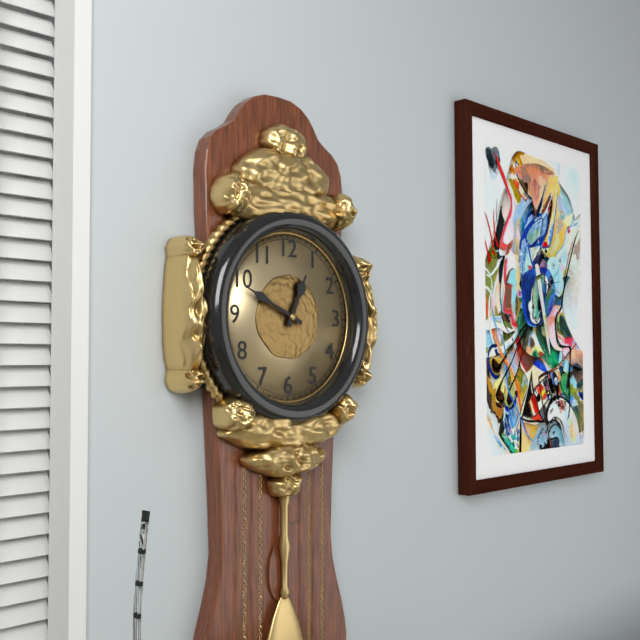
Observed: 12h49
